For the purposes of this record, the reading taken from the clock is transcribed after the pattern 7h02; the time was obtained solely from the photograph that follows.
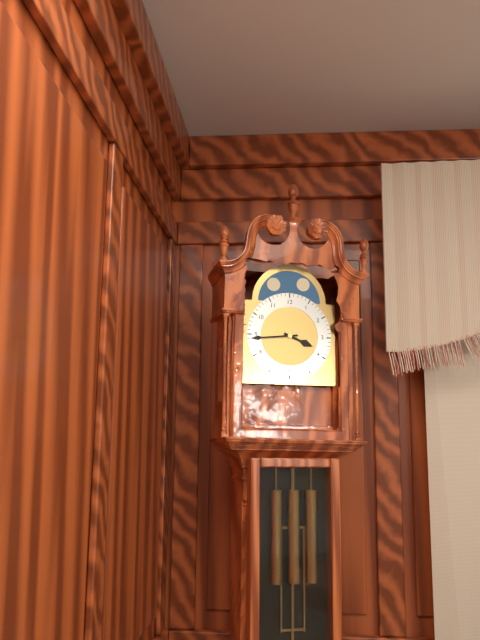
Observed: 3h44
